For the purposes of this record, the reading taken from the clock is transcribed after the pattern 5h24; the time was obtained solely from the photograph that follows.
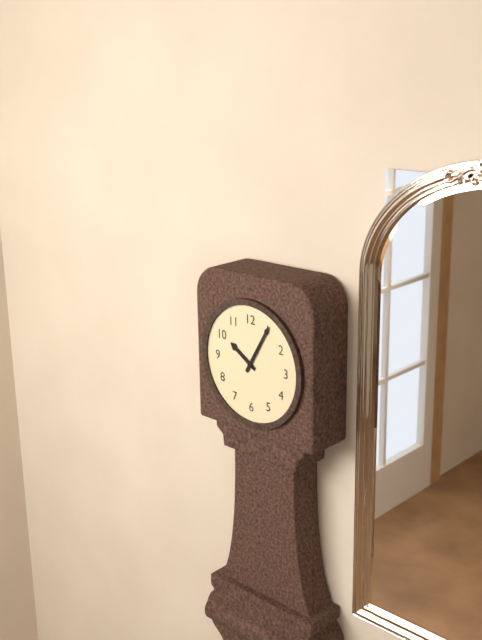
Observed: 10h05
